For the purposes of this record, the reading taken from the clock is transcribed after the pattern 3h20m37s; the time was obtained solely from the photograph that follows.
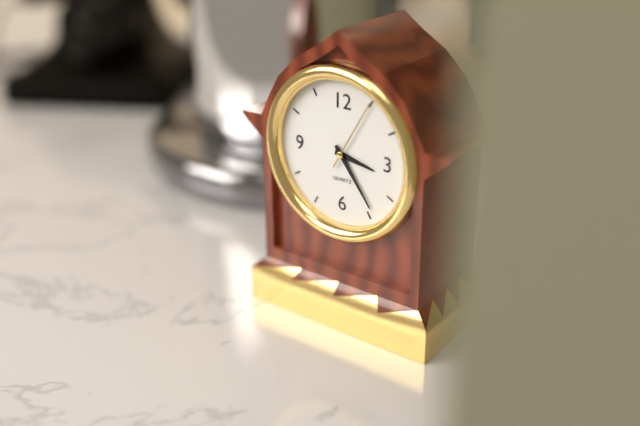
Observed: 3h24m05s
